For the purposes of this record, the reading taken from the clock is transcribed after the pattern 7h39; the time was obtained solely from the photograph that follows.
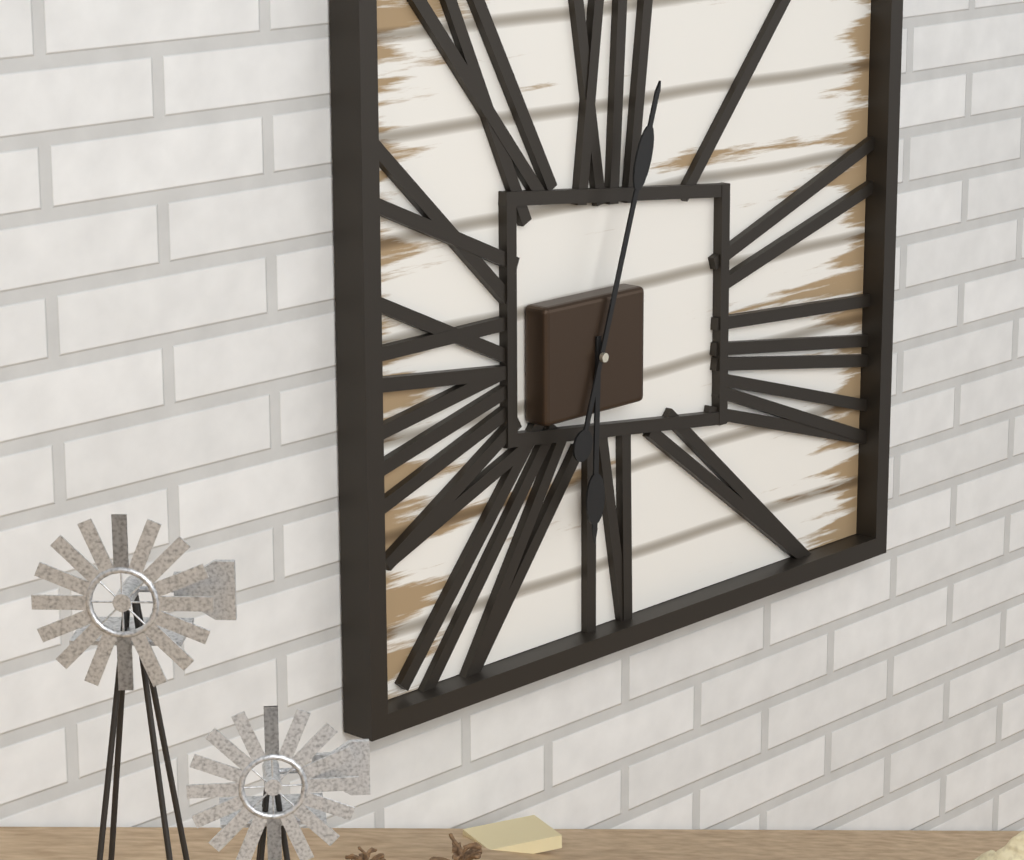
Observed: 6h03
